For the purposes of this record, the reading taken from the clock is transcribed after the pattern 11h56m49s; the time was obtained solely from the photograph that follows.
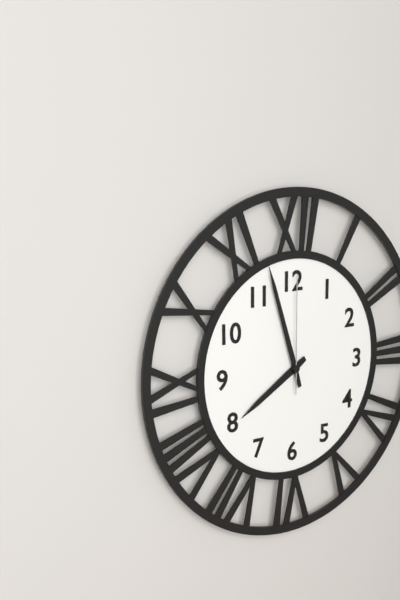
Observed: 7h57m00s
